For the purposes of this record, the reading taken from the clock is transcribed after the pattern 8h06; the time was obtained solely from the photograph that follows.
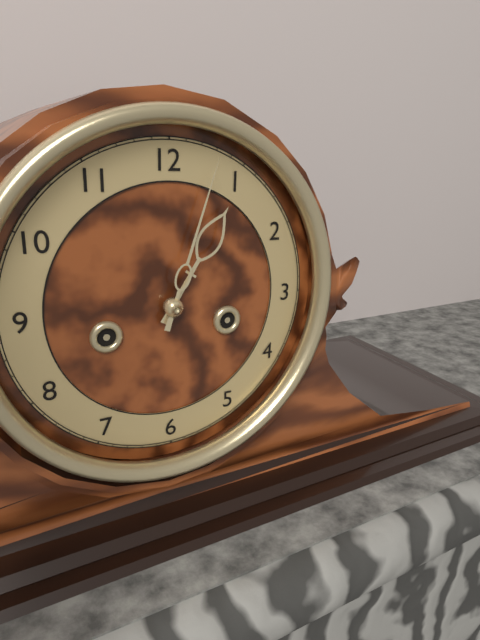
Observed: 1h03
